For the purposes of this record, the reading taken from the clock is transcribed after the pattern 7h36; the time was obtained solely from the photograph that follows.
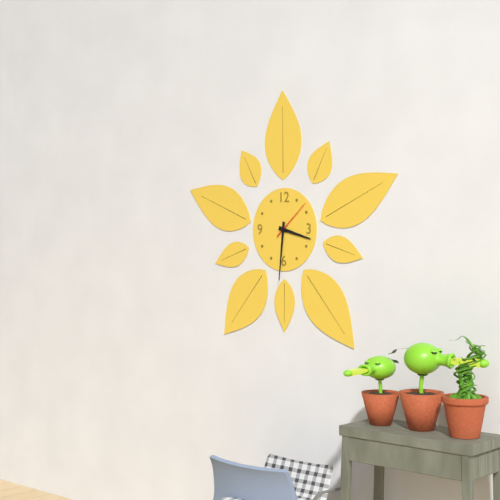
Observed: 3h31
